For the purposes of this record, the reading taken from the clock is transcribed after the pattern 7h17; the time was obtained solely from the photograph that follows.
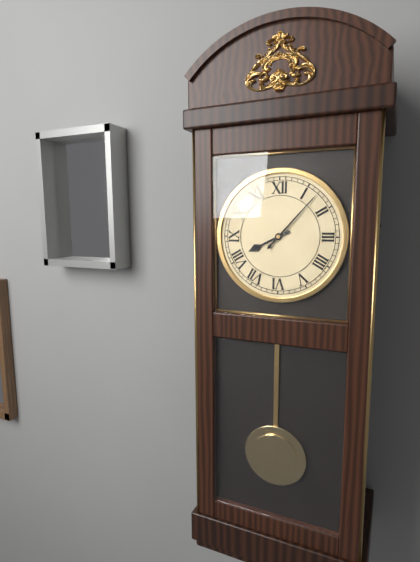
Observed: 8h07
